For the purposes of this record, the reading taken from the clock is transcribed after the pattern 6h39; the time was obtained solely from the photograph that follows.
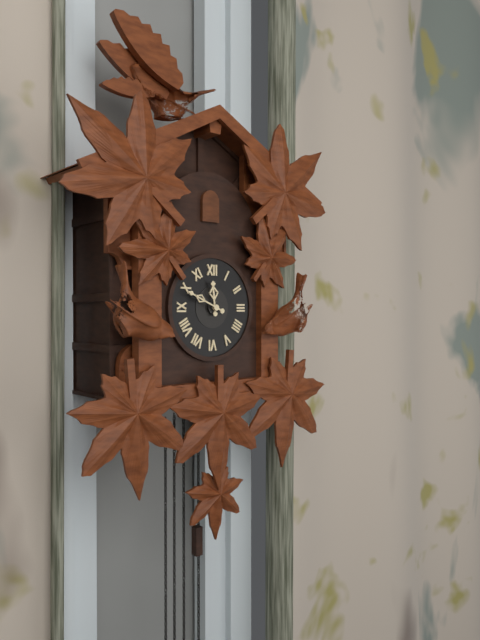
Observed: 11h49
